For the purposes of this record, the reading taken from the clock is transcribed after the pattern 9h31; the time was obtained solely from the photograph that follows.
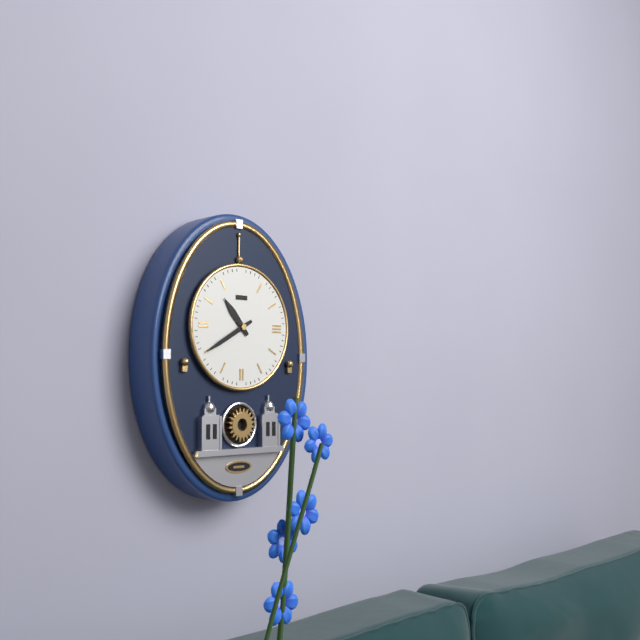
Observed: 10h40
